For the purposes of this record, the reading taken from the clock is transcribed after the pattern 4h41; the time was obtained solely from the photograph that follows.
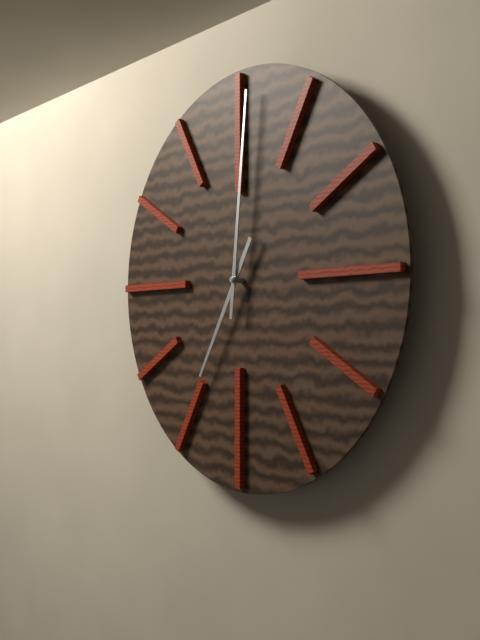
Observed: 7h01
